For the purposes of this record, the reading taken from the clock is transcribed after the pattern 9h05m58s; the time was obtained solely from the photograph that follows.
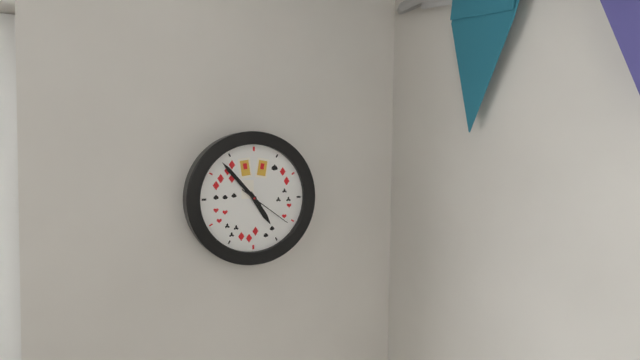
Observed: 4h53m21s
